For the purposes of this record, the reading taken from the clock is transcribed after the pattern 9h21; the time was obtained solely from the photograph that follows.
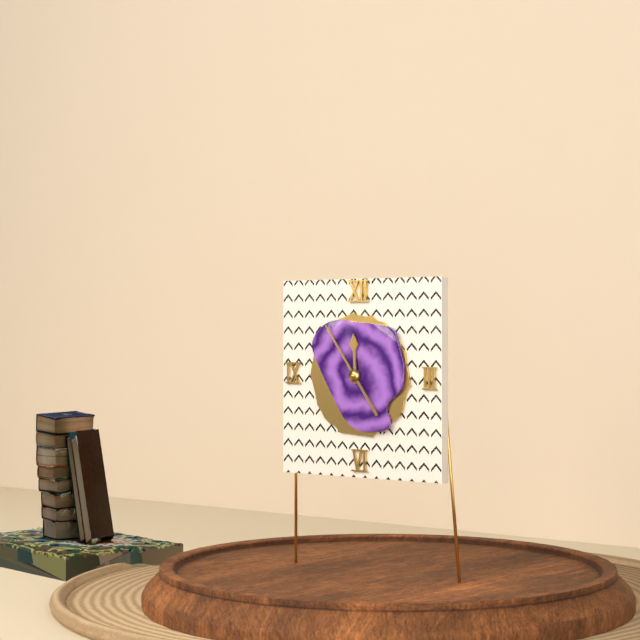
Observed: 11h54
